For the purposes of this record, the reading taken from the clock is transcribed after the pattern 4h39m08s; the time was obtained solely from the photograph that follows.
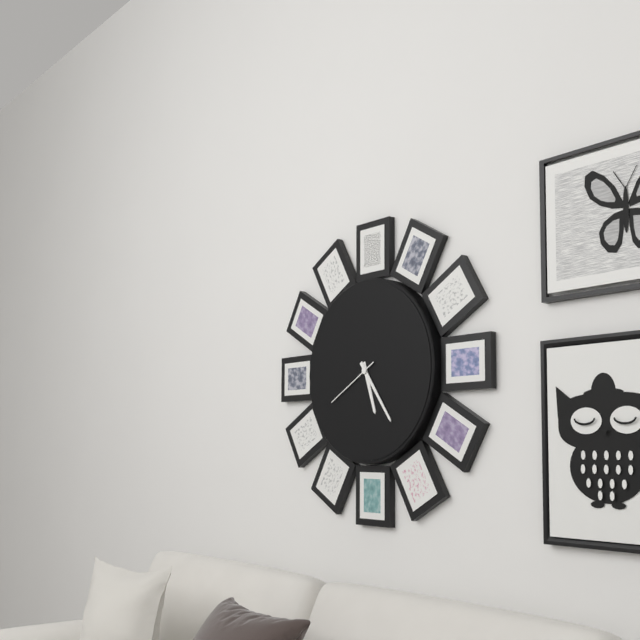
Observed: 5h24m40s
